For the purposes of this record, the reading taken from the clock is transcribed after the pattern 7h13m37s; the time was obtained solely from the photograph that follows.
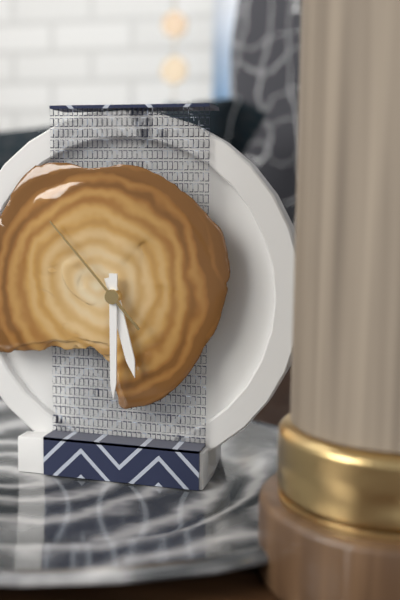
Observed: 5h30m53s
